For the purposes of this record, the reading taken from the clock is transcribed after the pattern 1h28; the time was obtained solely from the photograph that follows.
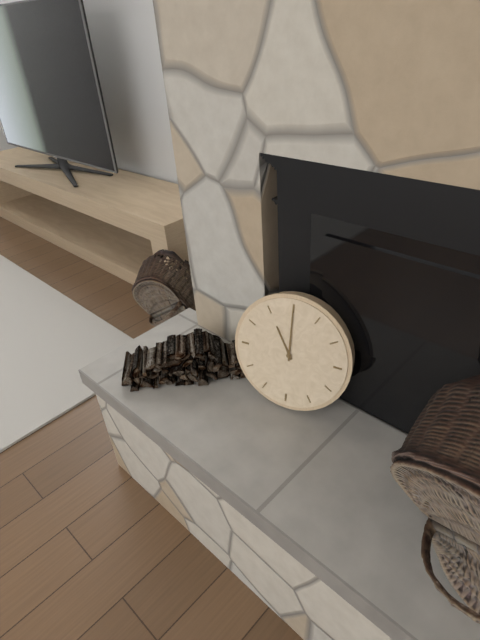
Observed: 11h00
